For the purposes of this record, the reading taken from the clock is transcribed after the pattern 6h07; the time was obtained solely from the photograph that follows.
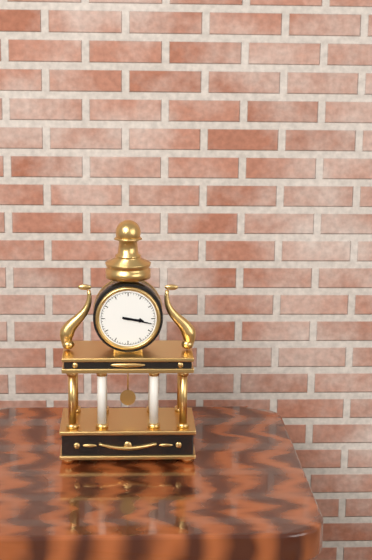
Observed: 3h17
